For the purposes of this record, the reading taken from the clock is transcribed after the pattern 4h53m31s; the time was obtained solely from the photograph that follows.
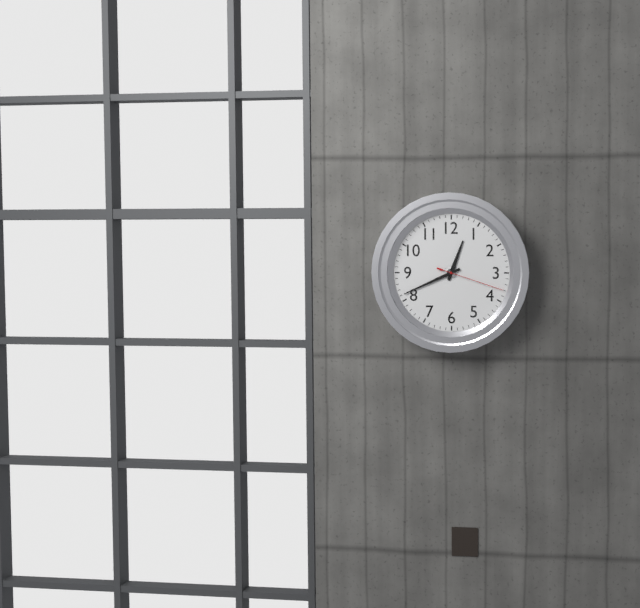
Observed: 12h41m18s
